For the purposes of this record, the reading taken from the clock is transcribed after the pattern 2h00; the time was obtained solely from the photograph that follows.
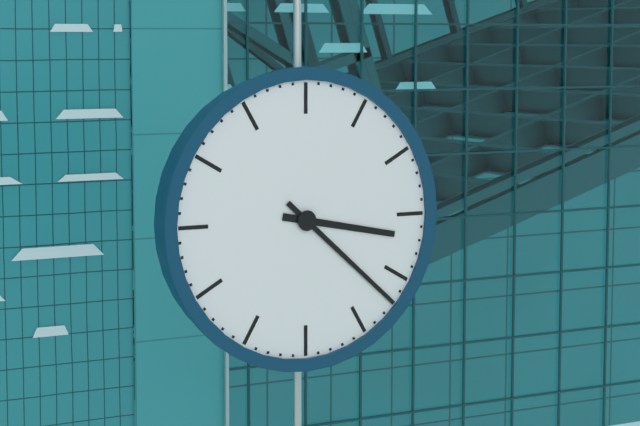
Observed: 3h22
